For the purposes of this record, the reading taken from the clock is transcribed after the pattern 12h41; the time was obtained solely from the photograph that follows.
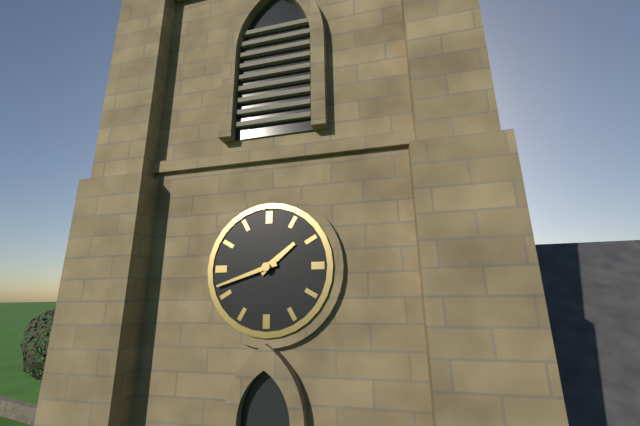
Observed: 1h42
